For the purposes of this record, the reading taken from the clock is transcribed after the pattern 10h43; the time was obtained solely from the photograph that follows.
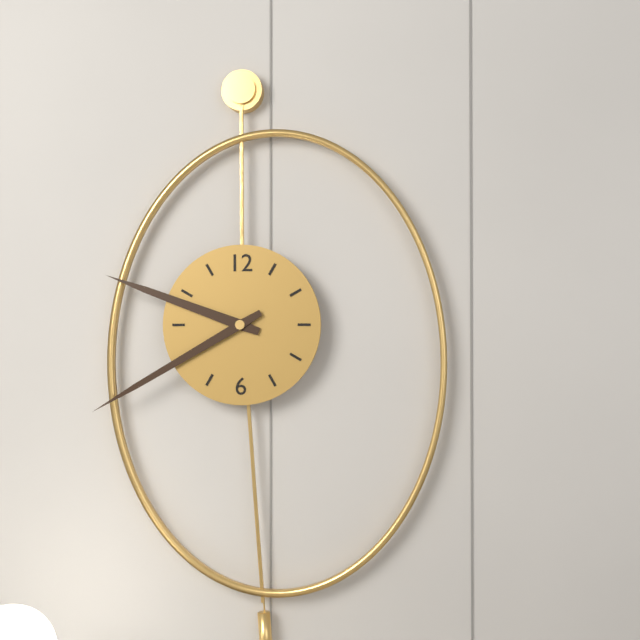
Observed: 9h40
